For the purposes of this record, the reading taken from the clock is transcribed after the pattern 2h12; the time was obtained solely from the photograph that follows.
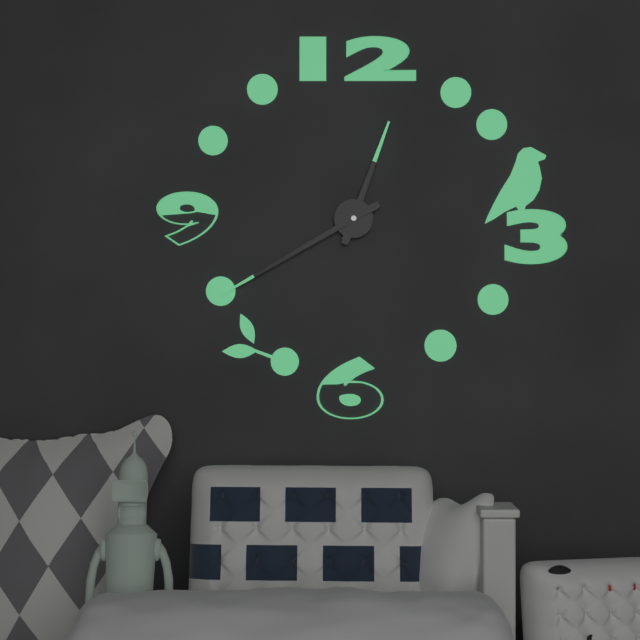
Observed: 12h40
